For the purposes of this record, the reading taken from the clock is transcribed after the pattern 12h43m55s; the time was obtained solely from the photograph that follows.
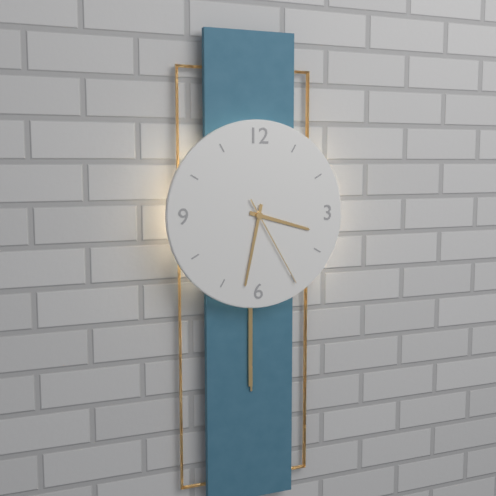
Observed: 3h32m25s
